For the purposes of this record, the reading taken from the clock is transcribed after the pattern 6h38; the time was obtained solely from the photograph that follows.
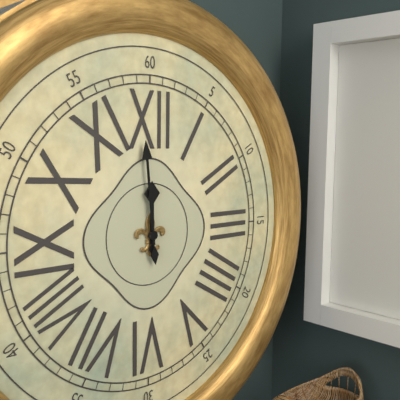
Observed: 11h59
